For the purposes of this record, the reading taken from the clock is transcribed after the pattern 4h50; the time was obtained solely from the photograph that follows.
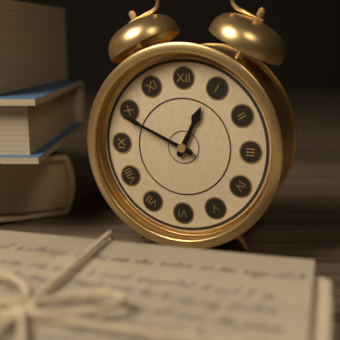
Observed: 12h49
